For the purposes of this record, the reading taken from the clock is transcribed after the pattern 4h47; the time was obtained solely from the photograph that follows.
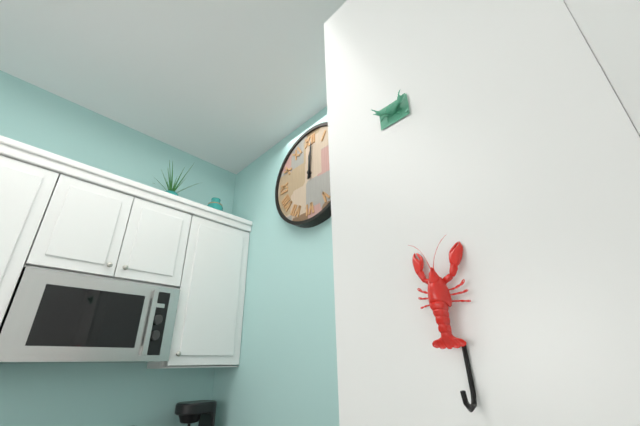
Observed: 12h01
